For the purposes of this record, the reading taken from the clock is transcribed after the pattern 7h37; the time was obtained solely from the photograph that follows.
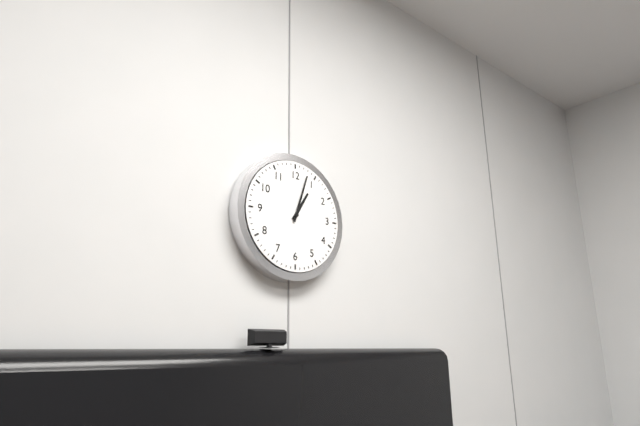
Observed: 1h03
